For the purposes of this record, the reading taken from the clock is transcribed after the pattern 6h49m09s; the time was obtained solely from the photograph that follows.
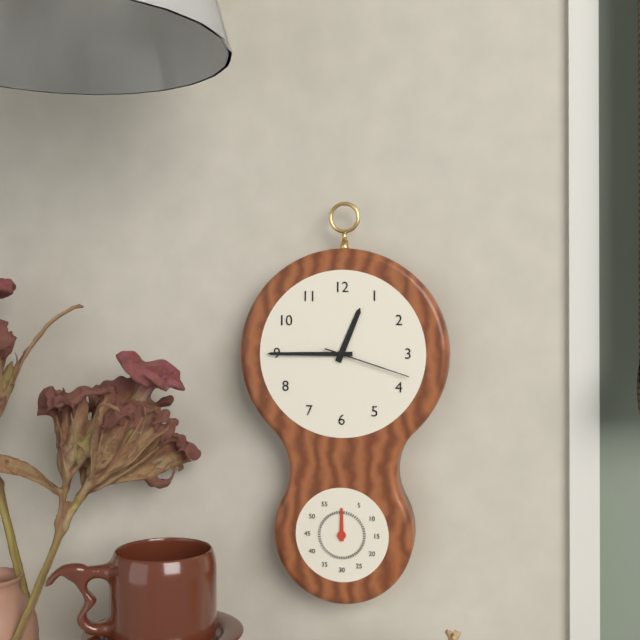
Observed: 12h45m18s
